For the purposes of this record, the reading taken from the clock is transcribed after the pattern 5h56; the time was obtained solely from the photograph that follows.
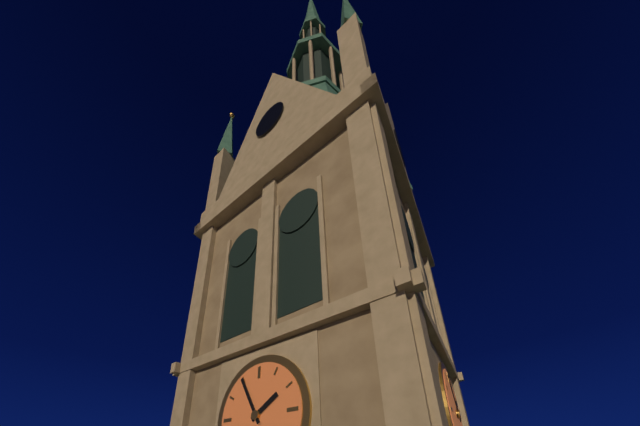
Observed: 1h55
